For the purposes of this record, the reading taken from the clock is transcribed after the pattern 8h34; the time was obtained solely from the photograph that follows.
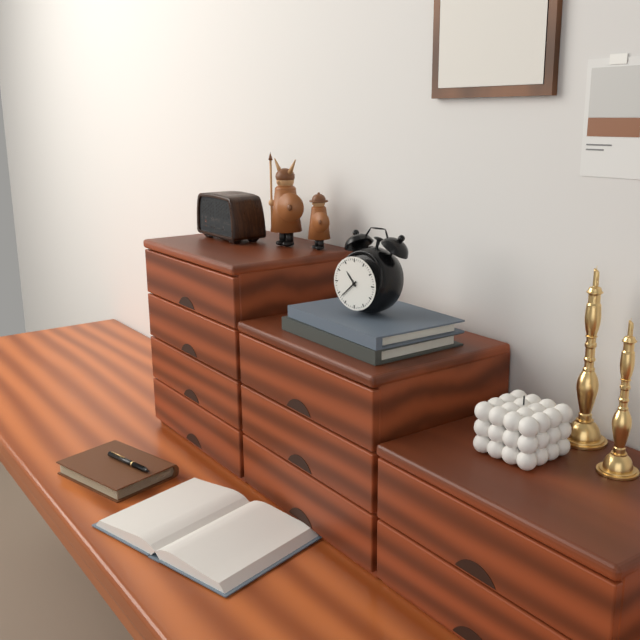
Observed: 10h38
